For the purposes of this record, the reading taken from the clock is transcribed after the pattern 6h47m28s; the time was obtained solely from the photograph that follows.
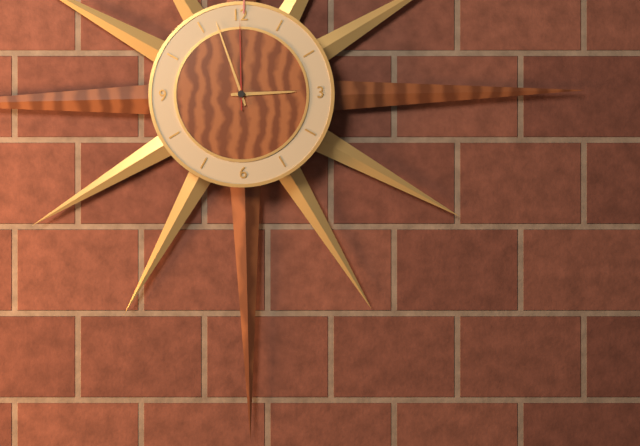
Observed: 2h57m00s
